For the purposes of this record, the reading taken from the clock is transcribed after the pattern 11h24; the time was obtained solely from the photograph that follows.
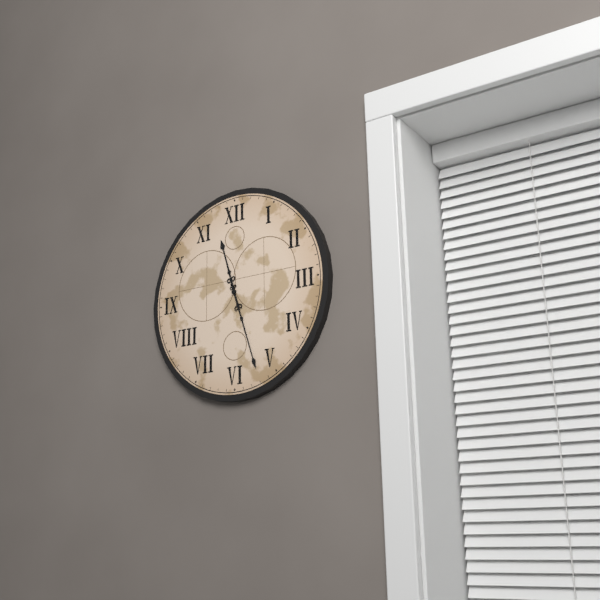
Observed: 11h27
